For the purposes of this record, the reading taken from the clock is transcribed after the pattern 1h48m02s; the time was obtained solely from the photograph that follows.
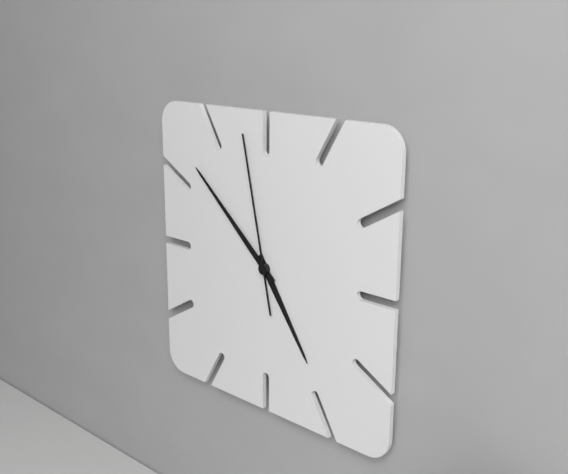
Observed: 4h52m58s
